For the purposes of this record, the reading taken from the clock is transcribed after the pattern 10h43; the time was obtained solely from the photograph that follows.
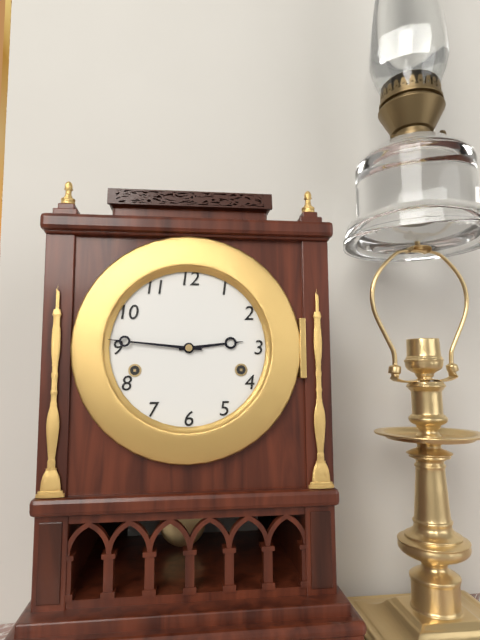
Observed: 2h46
